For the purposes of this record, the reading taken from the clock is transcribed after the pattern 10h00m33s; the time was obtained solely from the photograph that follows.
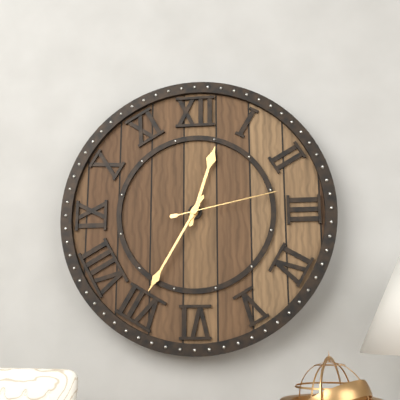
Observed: 12h35m13s
